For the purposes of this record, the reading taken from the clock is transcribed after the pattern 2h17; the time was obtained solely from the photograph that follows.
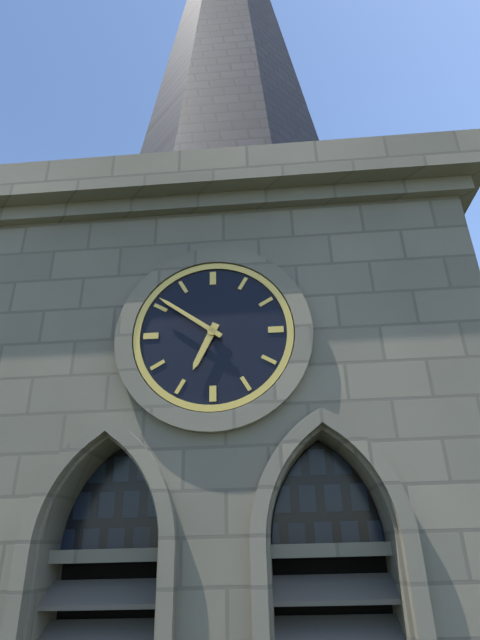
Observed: 6h51
